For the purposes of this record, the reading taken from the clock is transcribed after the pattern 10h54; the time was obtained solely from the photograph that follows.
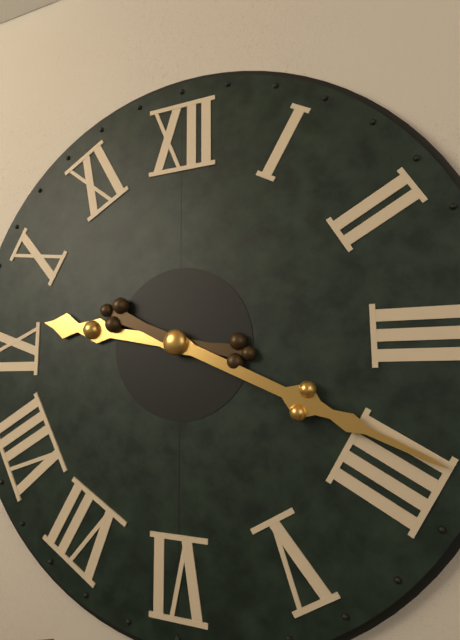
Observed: 9h19
